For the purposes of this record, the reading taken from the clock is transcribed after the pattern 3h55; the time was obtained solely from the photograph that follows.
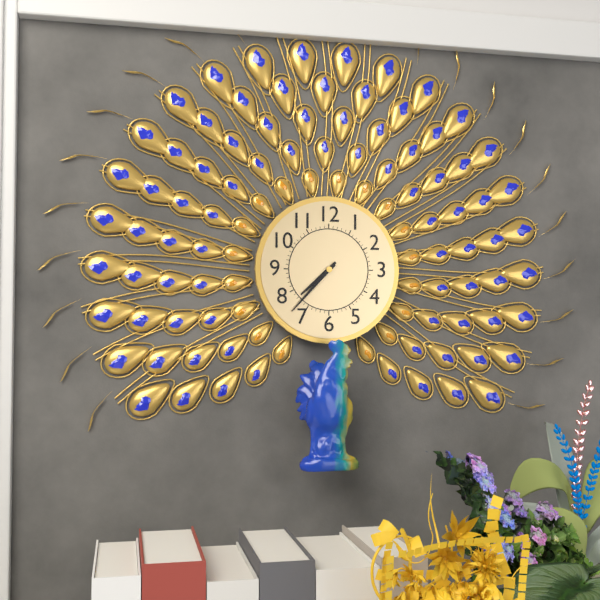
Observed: 7h37
